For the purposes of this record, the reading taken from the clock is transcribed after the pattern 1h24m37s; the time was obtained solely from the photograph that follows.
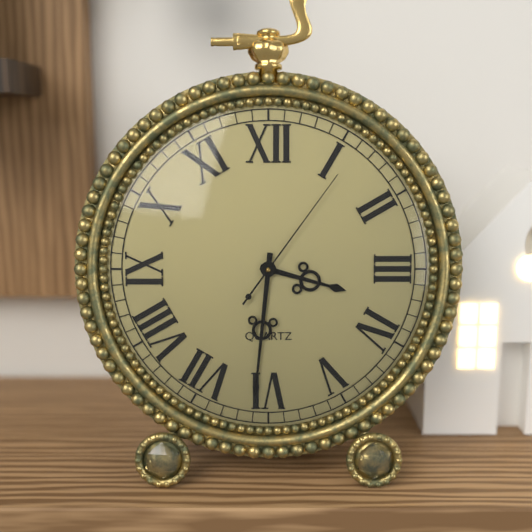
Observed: 3h31m06s
